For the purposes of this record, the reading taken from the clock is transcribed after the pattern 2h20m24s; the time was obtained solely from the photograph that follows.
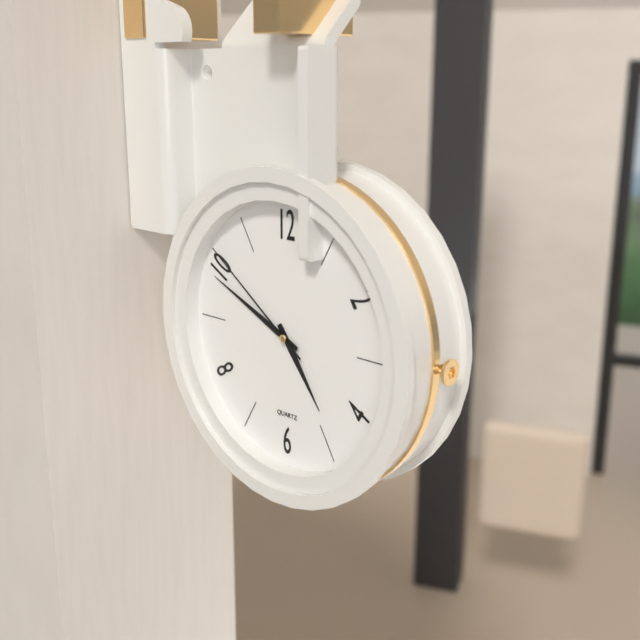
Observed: 4h49m51s
